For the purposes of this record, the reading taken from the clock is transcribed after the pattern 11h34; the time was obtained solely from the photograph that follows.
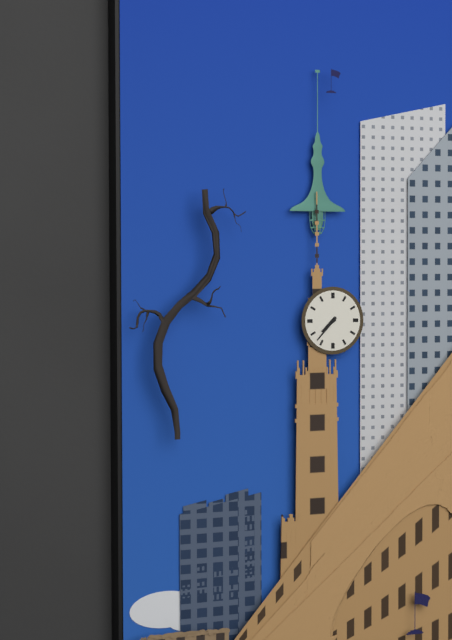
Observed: 7h37
